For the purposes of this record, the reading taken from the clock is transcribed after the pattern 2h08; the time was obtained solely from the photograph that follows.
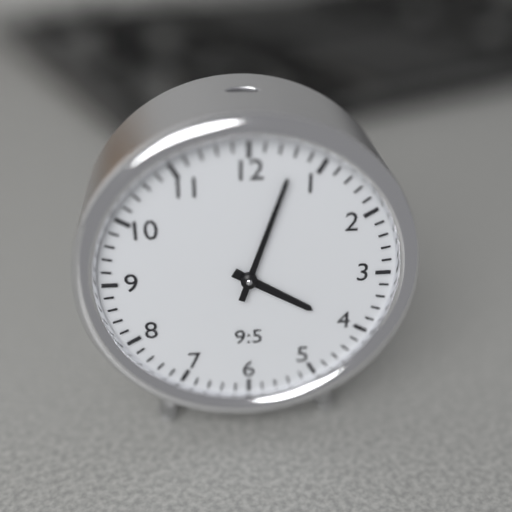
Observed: 4h03
